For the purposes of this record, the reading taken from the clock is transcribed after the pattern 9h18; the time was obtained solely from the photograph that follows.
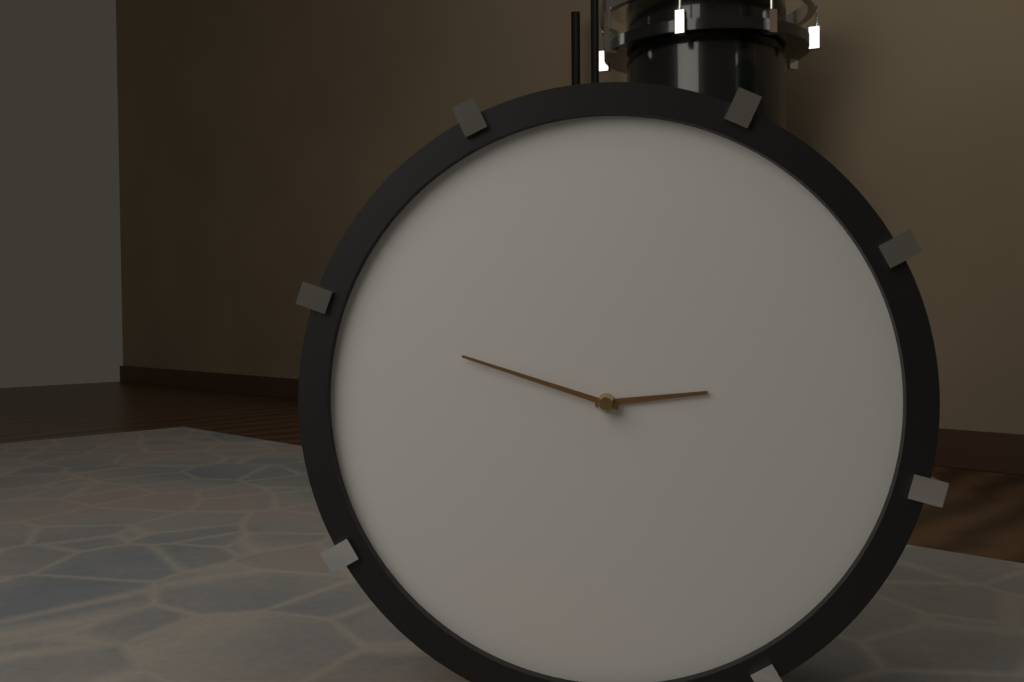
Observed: 2h48
